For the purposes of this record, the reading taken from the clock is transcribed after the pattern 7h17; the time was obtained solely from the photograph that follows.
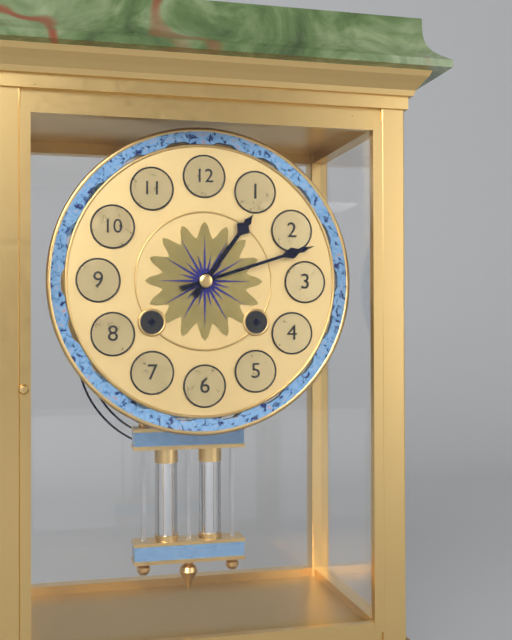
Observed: 1h12
